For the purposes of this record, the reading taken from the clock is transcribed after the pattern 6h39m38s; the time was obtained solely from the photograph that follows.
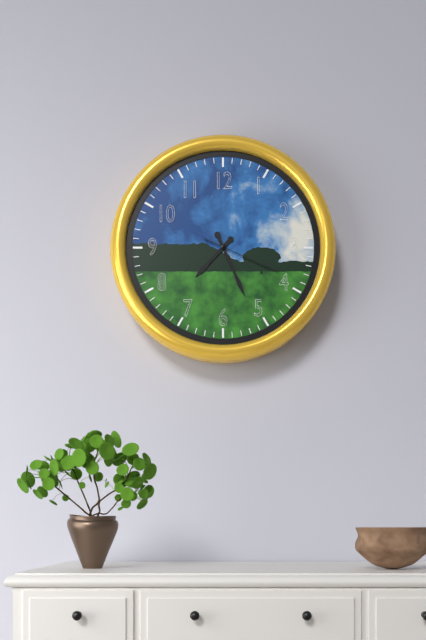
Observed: 7h26m19s
